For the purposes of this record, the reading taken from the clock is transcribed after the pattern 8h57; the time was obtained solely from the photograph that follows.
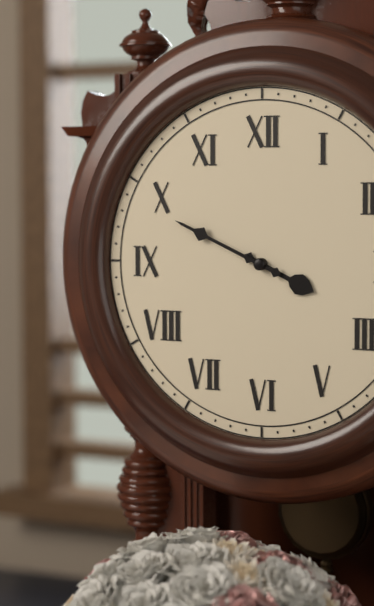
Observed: 3h49
